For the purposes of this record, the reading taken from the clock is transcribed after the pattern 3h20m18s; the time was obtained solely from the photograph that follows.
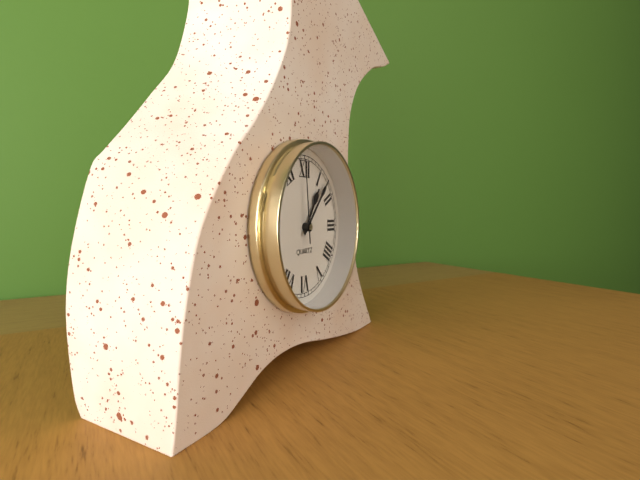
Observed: 1h07m59s
